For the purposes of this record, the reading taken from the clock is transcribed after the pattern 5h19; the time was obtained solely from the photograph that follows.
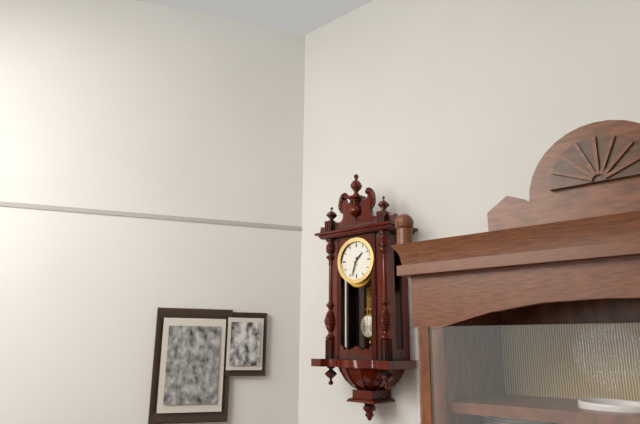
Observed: 1h33
